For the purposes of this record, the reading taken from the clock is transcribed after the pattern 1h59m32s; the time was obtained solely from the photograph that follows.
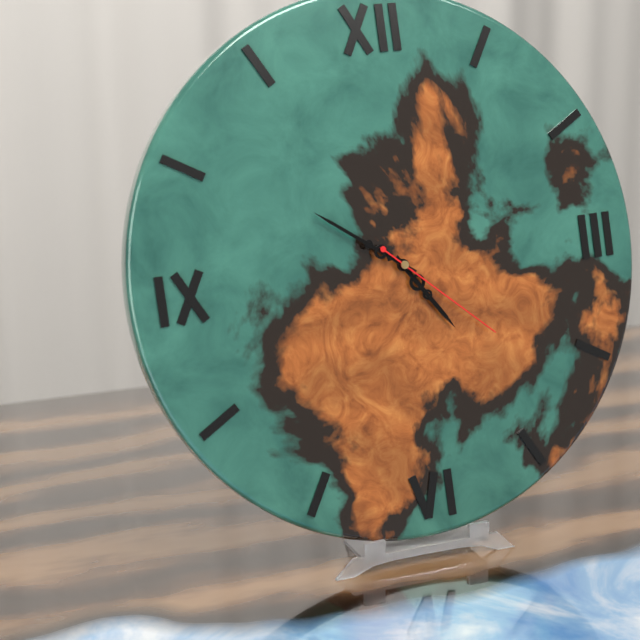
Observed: 4h51m22s
